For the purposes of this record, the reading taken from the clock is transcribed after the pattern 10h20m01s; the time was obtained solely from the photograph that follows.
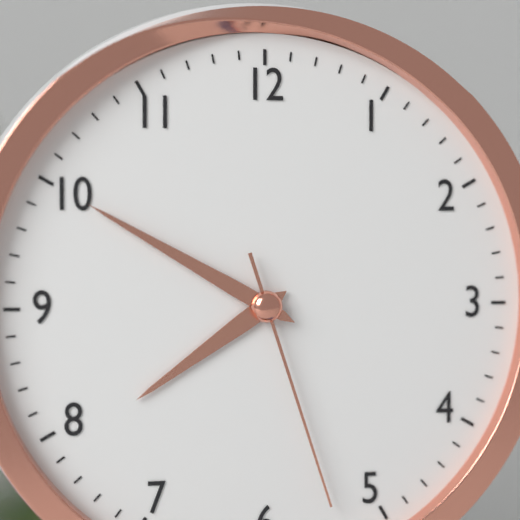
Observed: 7h50m27s
